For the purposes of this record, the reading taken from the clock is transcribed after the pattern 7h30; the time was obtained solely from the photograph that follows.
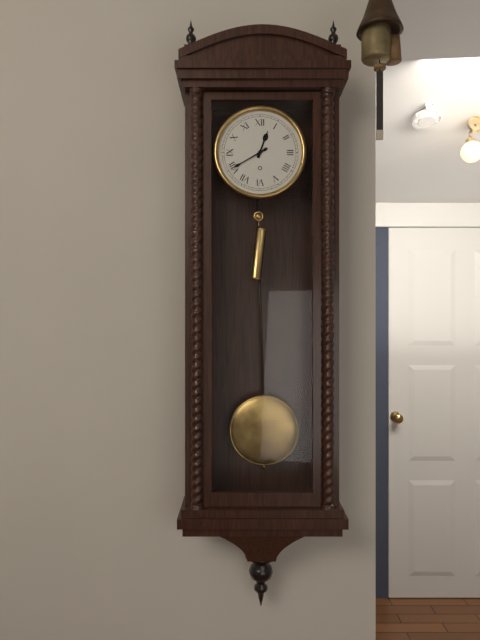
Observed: 12h40
